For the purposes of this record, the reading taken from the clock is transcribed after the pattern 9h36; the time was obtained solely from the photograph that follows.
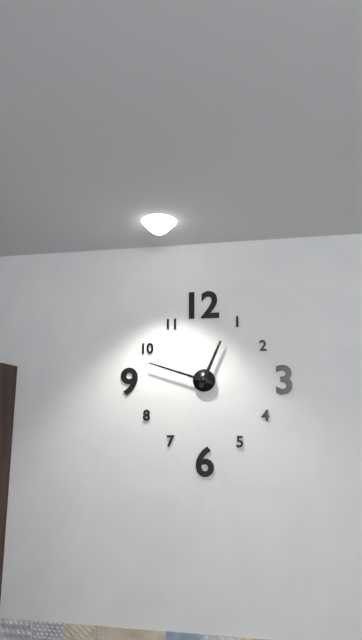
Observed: 12h48
